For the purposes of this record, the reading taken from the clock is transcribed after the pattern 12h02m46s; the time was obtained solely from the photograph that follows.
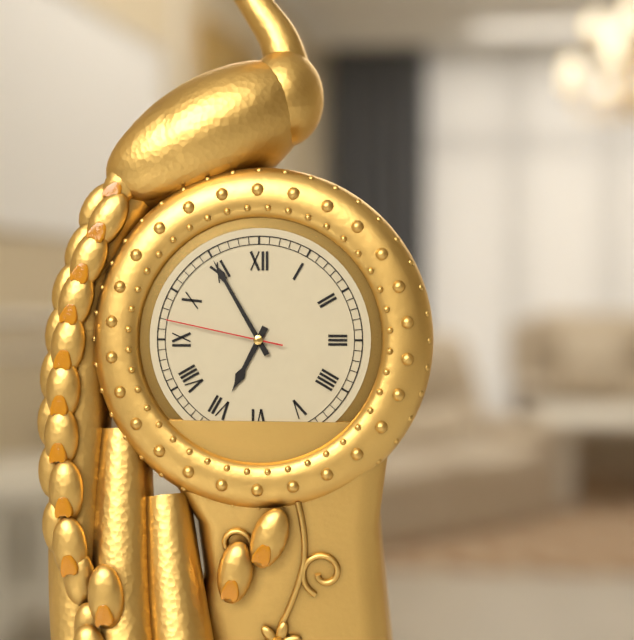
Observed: 6h55m47s
